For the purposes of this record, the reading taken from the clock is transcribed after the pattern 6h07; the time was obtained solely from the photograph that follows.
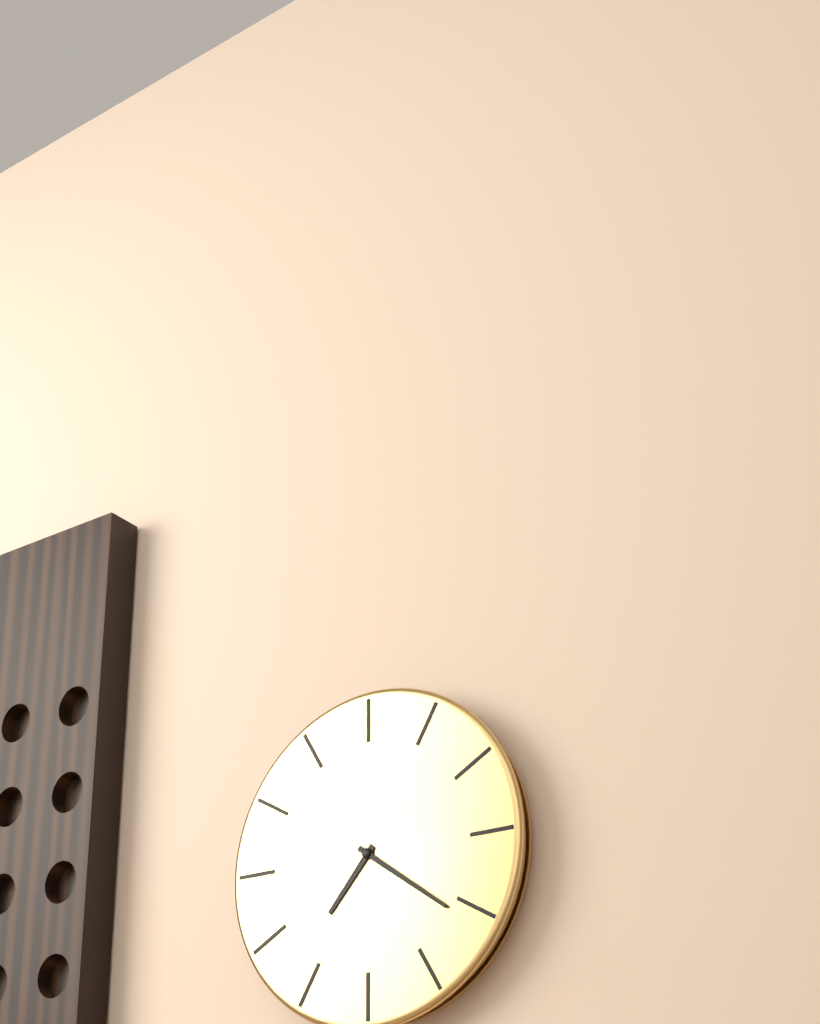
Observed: 7h21
